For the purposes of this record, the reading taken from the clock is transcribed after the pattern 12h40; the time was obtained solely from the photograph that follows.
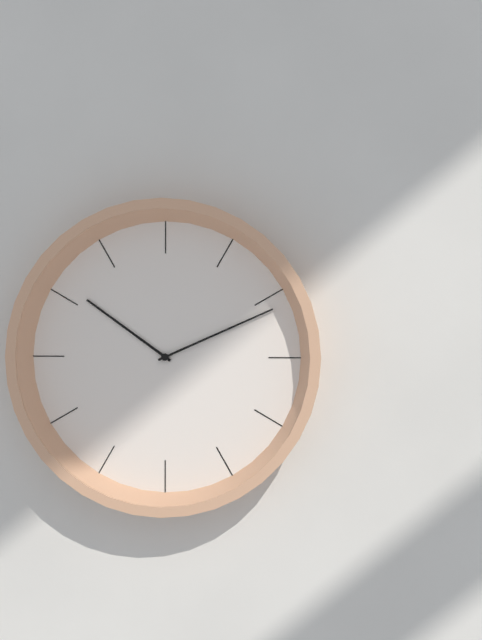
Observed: 10h11
